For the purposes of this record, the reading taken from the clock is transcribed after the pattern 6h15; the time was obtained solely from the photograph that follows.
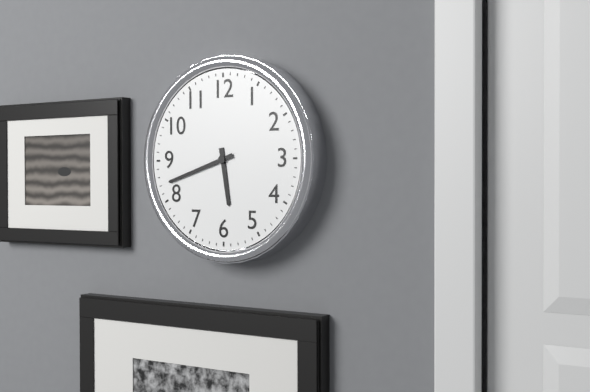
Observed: 5h42
